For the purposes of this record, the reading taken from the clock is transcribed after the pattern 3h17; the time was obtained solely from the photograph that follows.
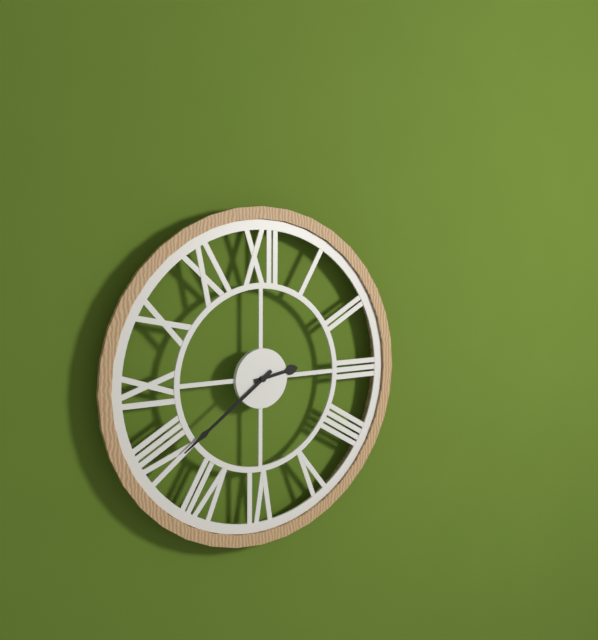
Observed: 2h39
